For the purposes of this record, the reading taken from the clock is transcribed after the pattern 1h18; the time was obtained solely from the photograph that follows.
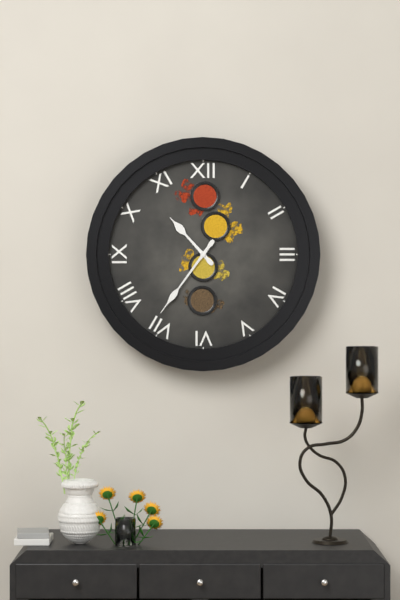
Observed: 10h36
